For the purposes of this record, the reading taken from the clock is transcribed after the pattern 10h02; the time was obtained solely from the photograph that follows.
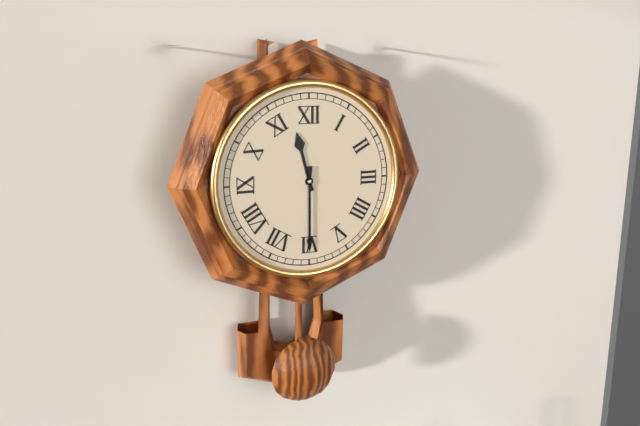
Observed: 11h30
